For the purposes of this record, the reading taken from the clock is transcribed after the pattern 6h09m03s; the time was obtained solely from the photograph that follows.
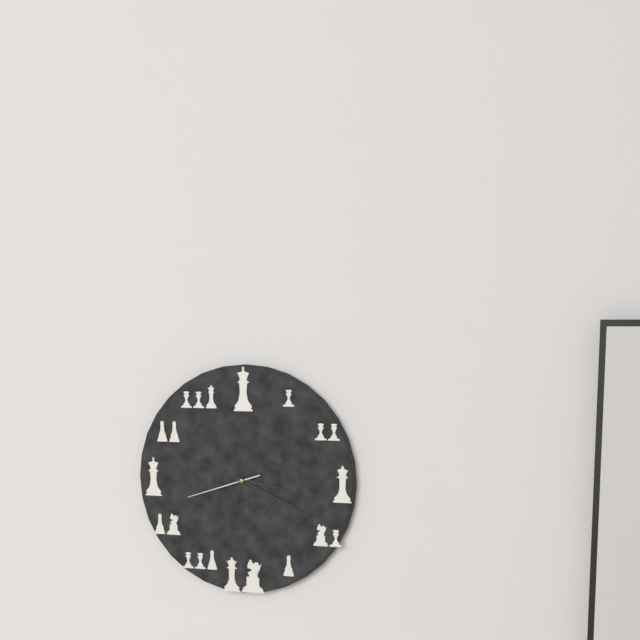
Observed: 3h19m42s
